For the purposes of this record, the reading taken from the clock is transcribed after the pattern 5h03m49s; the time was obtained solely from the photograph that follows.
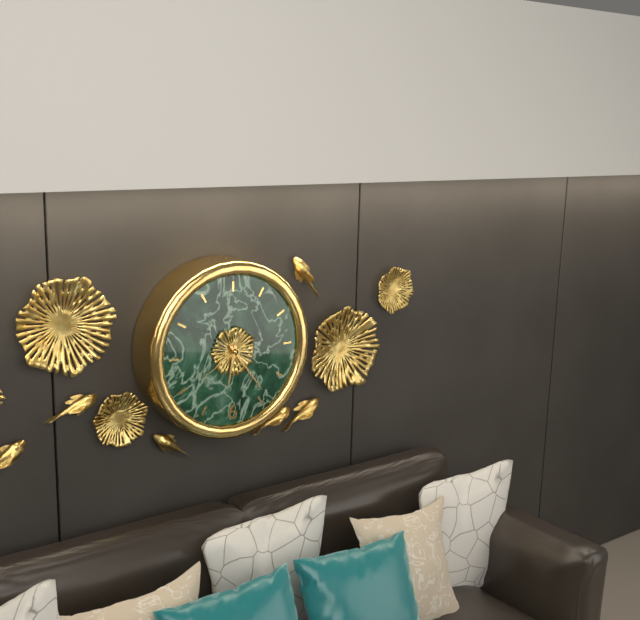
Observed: 6h24m40s
